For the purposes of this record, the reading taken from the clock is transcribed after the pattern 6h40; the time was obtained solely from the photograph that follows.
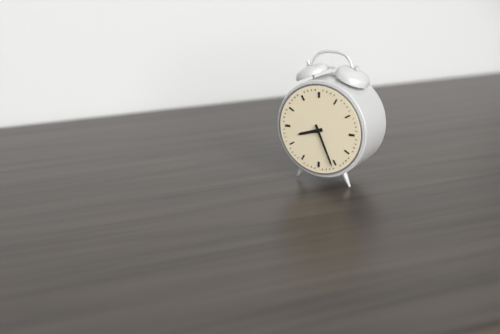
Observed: 8h26
